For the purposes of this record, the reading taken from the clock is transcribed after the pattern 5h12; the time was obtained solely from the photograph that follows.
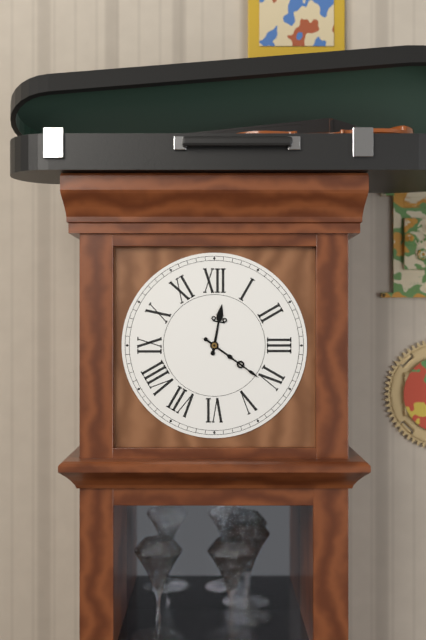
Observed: 12h21
